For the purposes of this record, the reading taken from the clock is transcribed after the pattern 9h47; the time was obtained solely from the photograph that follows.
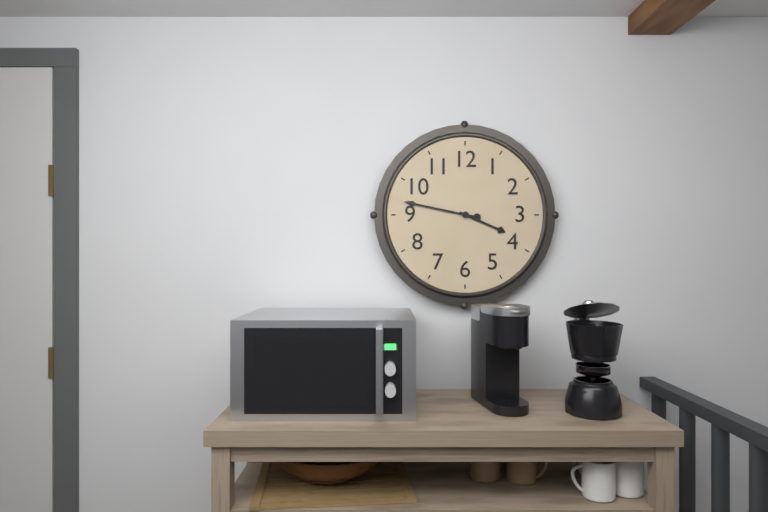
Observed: 3h47
